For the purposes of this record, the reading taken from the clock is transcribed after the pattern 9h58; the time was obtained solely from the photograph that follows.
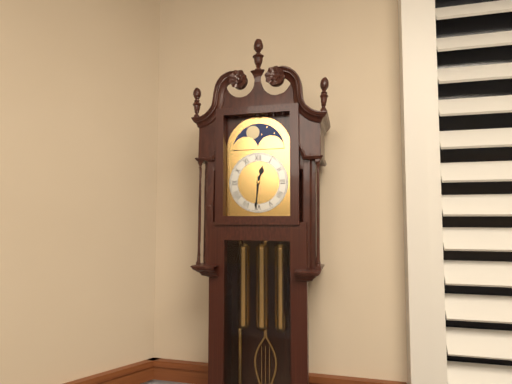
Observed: 12h31
